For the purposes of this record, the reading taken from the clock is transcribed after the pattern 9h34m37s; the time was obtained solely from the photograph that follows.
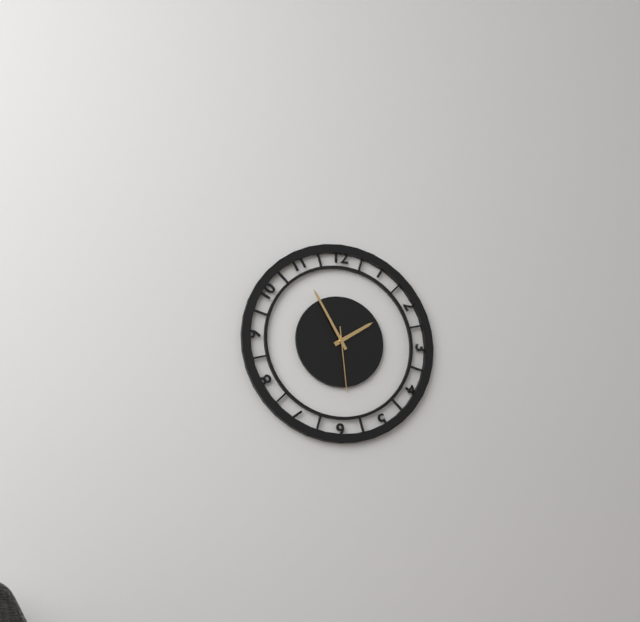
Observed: 1h55m29s
